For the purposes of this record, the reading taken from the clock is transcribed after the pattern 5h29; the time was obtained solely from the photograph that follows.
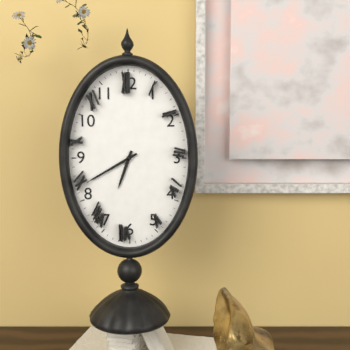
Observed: 6h40
